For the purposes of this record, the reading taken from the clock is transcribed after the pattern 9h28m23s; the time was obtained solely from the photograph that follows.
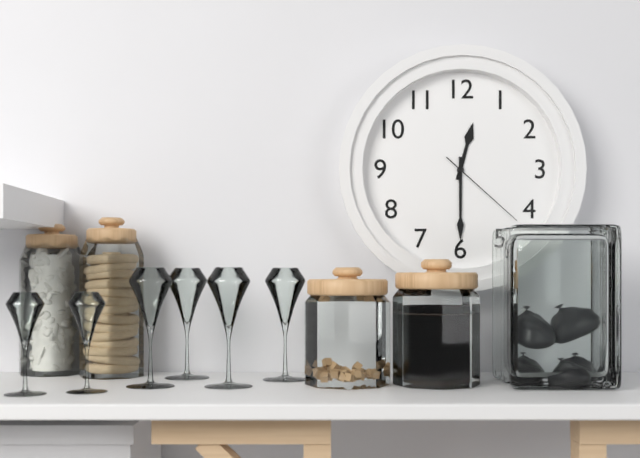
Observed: 12h30m22s
